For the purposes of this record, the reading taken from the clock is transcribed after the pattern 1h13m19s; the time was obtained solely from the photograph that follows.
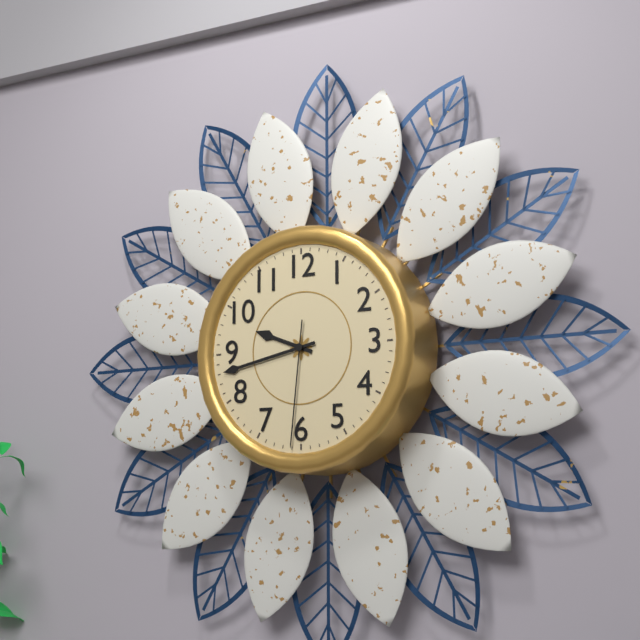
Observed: 9h43m31s
